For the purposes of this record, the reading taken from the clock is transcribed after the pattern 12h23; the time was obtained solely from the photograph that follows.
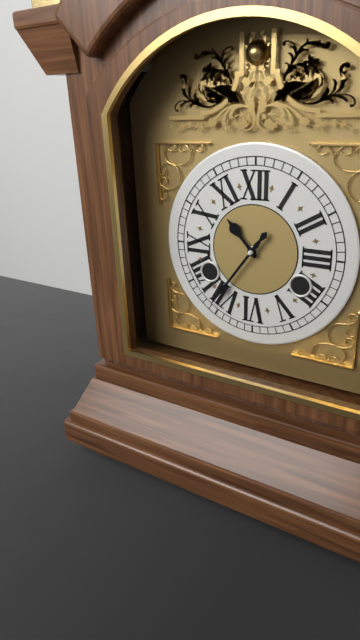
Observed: 10h36
